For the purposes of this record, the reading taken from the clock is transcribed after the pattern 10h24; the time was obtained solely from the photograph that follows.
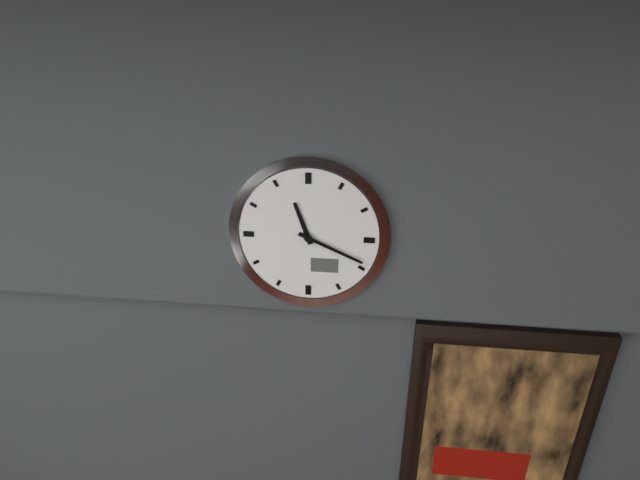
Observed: 11h19
